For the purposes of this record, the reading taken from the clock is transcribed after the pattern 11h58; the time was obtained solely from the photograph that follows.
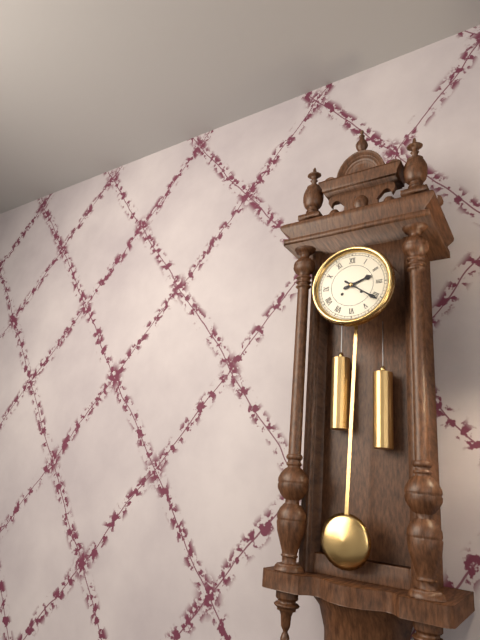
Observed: 2h21
